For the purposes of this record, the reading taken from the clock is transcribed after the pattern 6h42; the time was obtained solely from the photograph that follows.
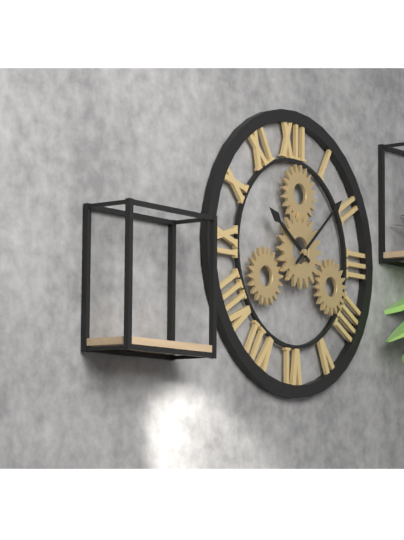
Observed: 10h08
